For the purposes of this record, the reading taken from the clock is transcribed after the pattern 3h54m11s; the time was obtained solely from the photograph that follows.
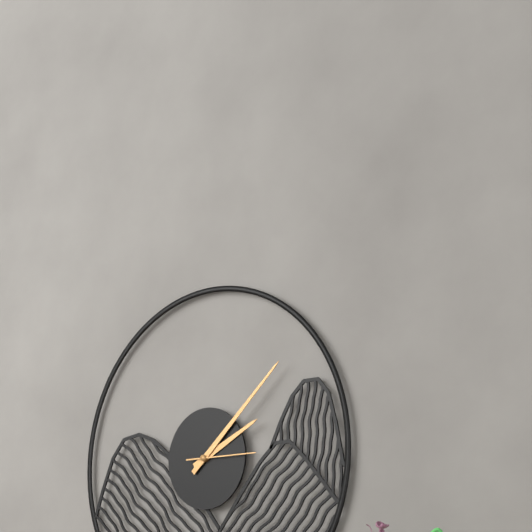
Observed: 2h08m15s
